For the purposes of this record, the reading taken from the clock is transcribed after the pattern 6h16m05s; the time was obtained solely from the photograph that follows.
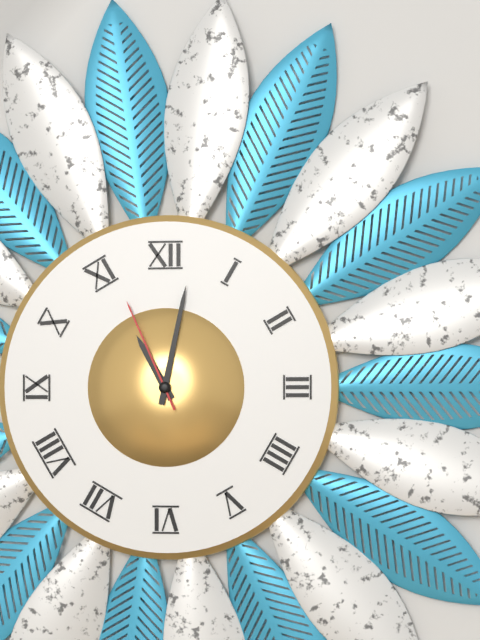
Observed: 11h02m56s
